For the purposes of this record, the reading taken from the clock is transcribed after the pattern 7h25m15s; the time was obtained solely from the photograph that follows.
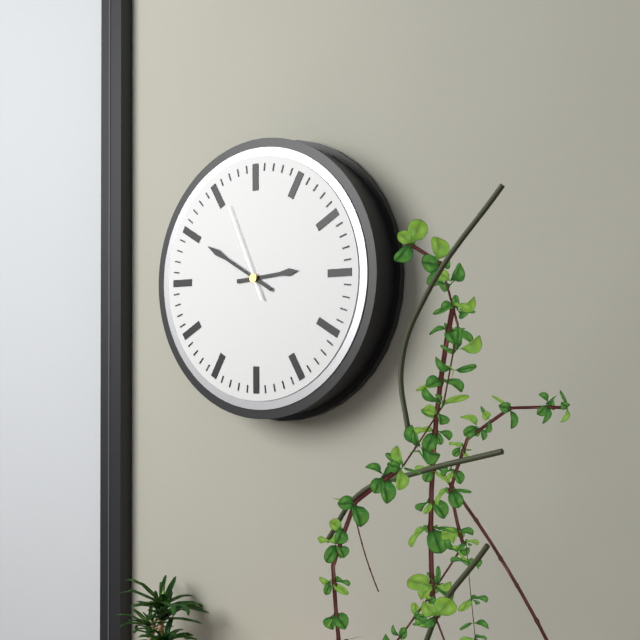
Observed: 2h50m56s
